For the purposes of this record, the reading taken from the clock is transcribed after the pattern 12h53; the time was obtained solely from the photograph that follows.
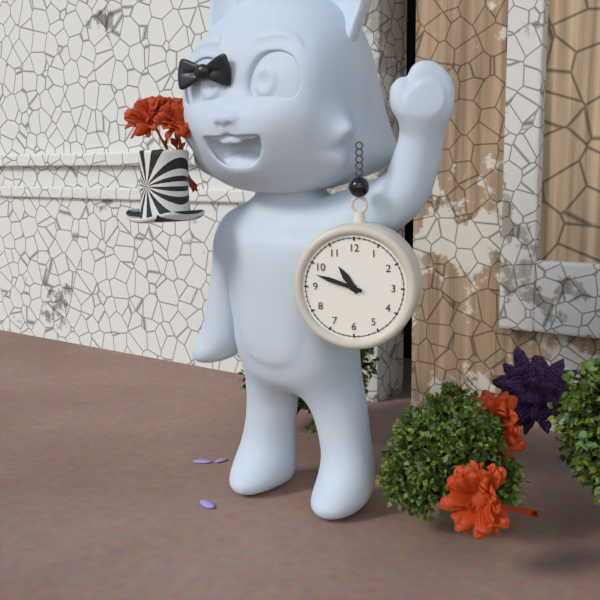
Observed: 10h48
